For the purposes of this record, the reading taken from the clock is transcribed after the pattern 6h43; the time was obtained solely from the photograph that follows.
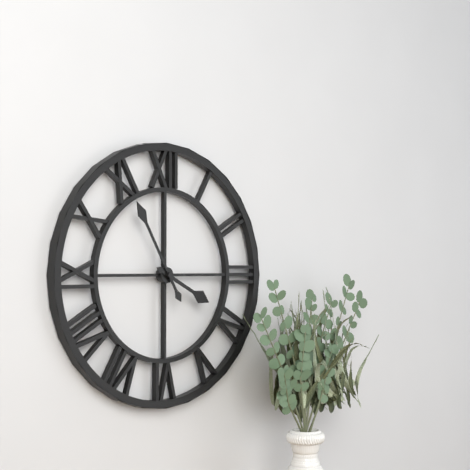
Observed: 3h55
